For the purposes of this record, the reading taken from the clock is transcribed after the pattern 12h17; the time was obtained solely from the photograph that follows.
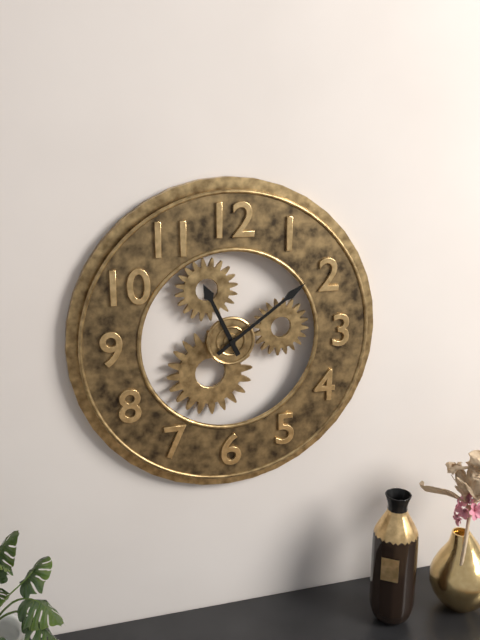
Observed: 11h09
